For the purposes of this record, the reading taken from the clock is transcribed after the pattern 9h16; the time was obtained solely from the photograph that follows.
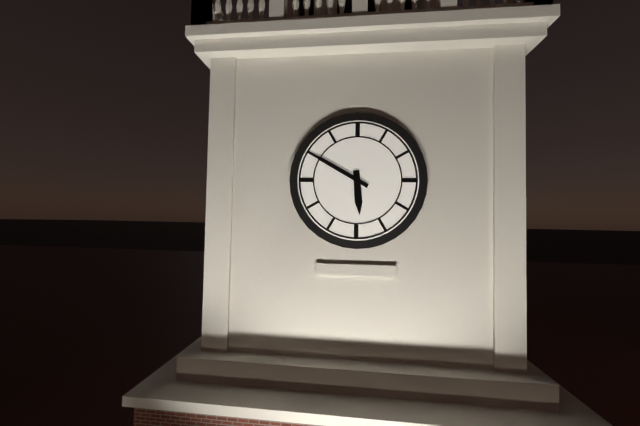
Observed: 5h50
